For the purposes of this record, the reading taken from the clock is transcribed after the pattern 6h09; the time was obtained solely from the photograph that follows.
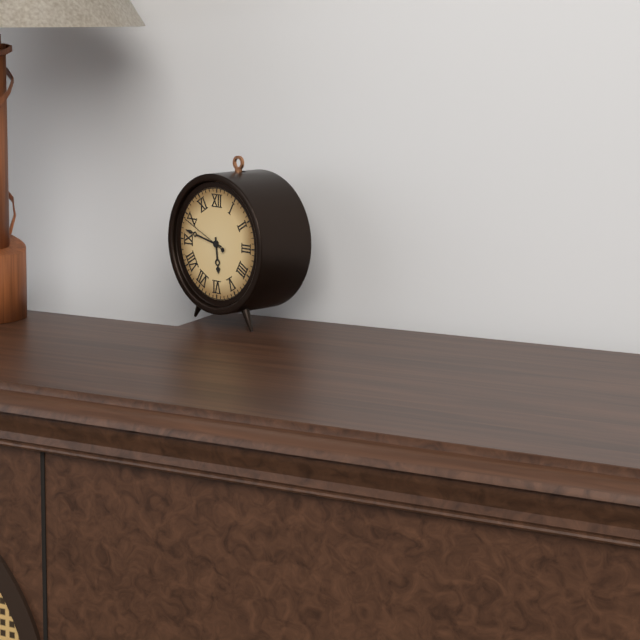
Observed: 5h47
